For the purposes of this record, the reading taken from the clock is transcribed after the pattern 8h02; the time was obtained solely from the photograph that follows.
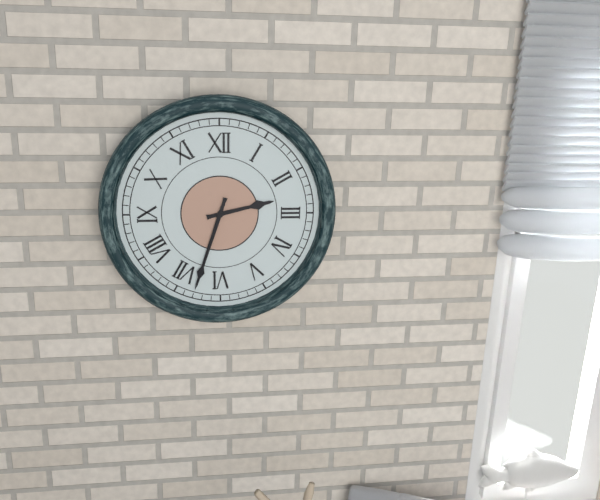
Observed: 2h33
